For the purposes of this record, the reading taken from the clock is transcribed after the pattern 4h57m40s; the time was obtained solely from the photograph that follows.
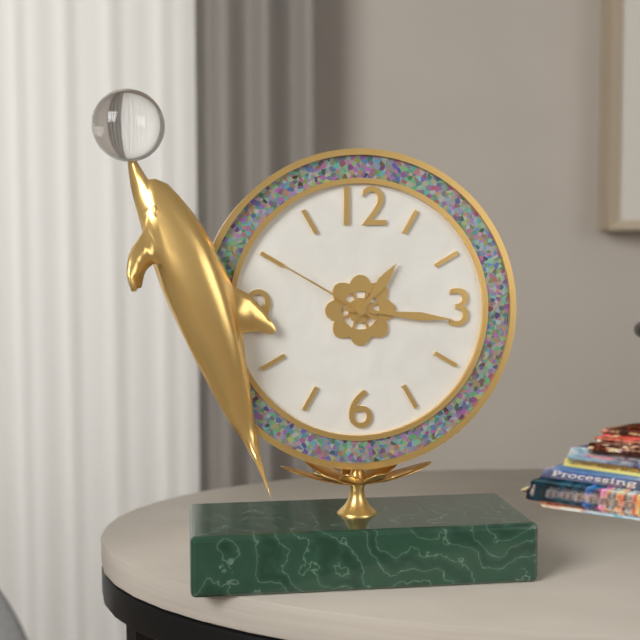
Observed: 1h16m50s
